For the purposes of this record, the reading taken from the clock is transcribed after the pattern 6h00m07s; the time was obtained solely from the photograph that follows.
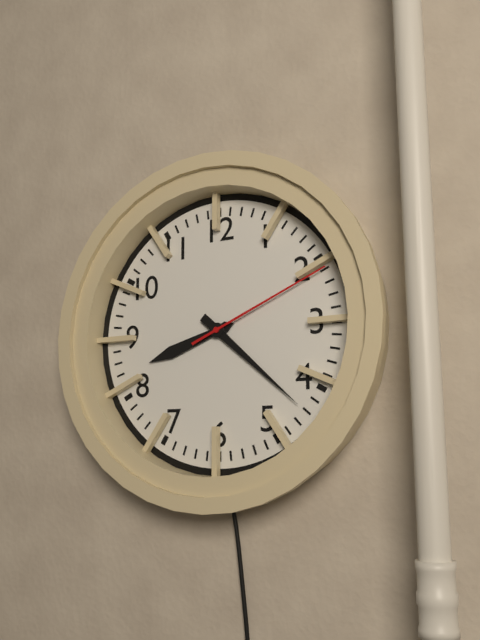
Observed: 8h22m11s
